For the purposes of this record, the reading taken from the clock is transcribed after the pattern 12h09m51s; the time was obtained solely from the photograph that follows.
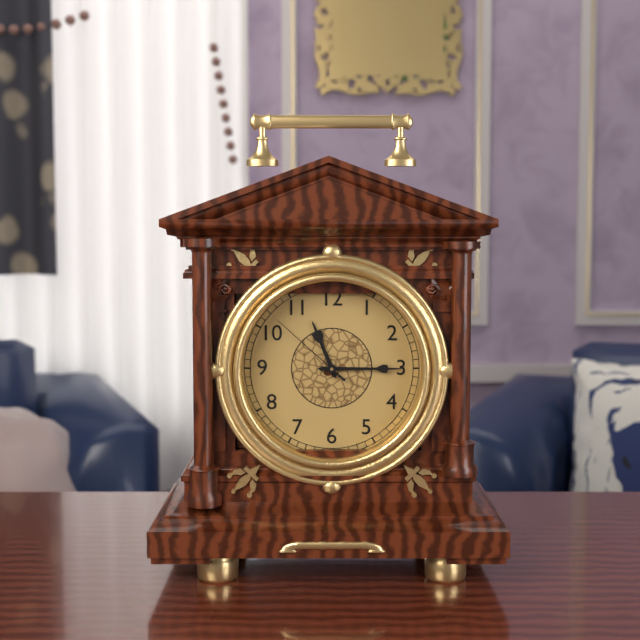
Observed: 11h15m52s
